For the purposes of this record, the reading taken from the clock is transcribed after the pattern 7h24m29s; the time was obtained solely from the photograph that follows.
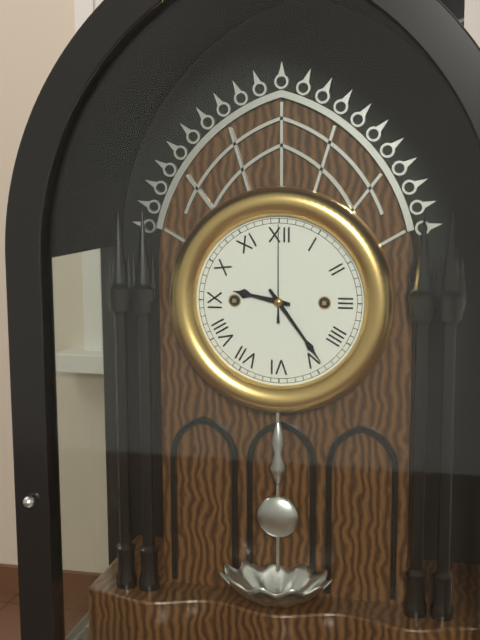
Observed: 9h24m00s
